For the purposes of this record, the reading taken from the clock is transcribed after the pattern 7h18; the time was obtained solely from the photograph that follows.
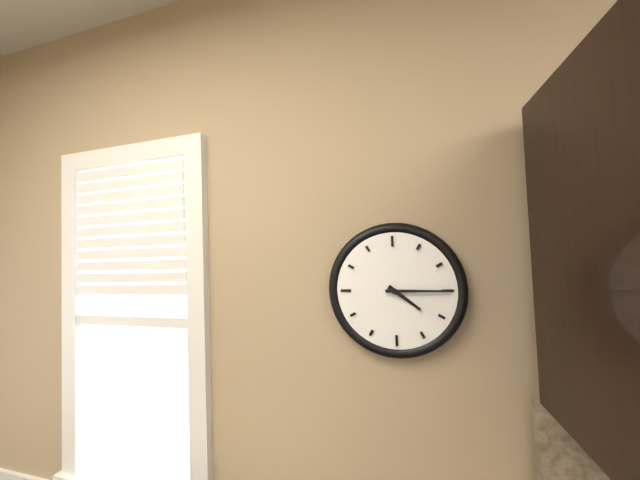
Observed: 4h15
